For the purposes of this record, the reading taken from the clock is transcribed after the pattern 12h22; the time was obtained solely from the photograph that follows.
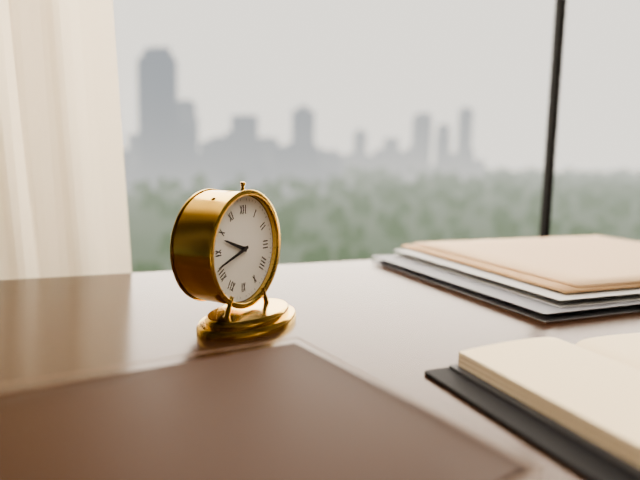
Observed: 9h42
